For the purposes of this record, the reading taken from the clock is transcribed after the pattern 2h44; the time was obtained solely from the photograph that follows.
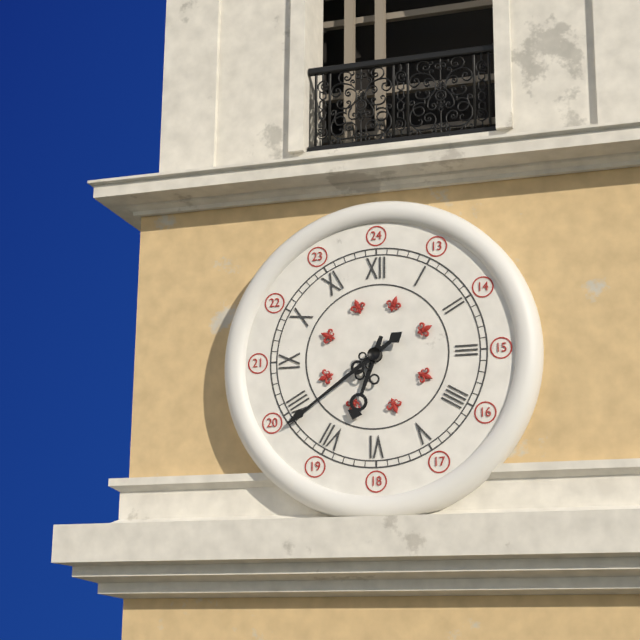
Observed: 6h39
